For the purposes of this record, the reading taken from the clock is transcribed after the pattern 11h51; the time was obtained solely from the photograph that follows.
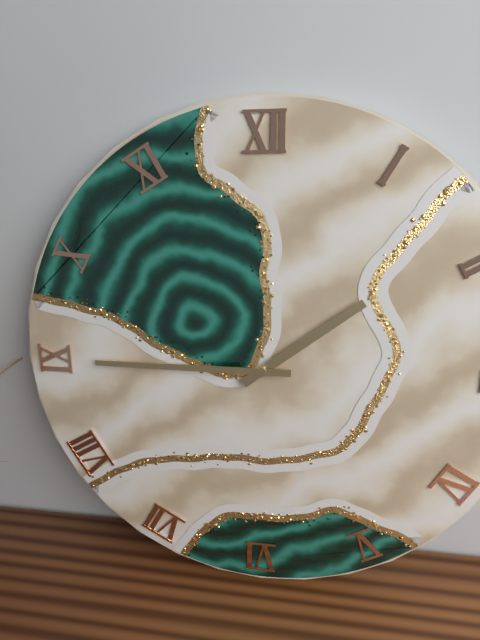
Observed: 1h45
